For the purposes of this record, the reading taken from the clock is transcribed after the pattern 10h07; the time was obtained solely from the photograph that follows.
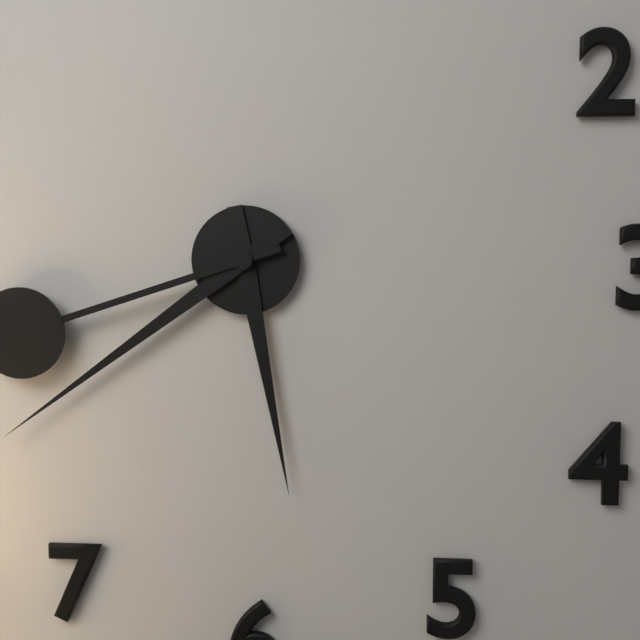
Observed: 5h39
